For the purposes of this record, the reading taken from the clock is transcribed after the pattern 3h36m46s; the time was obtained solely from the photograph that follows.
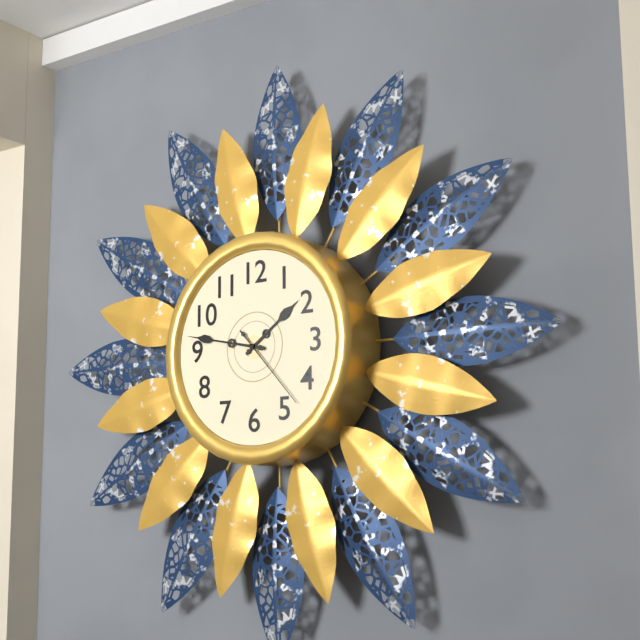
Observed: 1h47m23s
